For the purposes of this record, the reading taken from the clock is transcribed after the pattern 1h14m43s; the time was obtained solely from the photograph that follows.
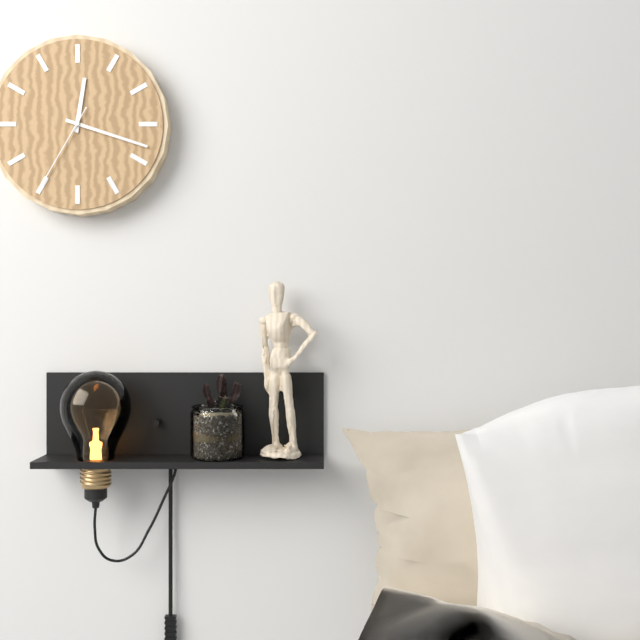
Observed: 12h18m35s
